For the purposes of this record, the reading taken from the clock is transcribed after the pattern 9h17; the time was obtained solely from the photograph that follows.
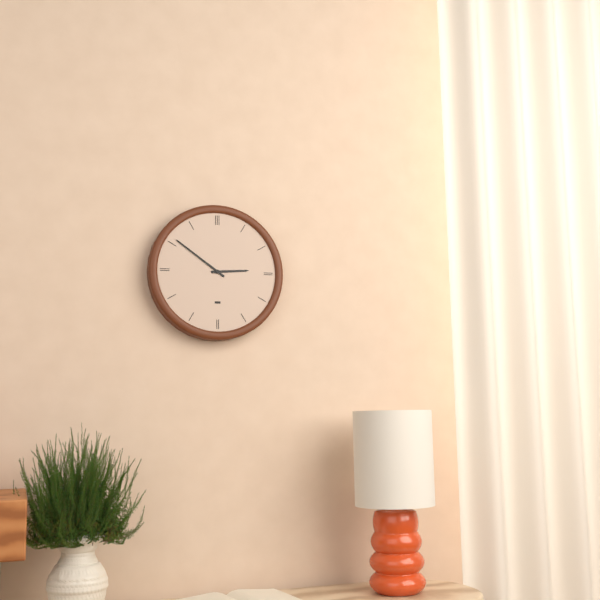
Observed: 2h51
